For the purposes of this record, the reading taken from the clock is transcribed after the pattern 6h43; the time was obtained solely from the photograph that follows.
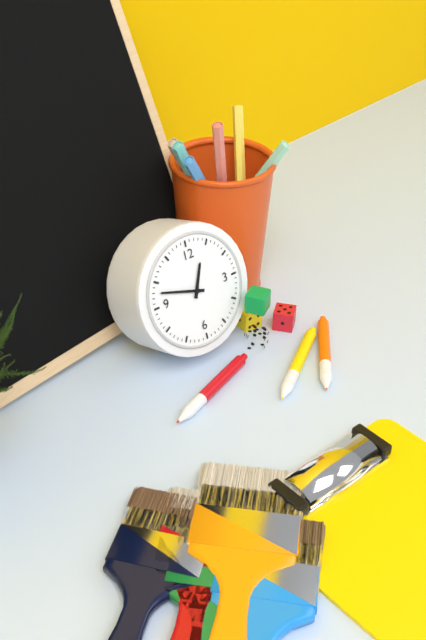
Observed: 12h48
